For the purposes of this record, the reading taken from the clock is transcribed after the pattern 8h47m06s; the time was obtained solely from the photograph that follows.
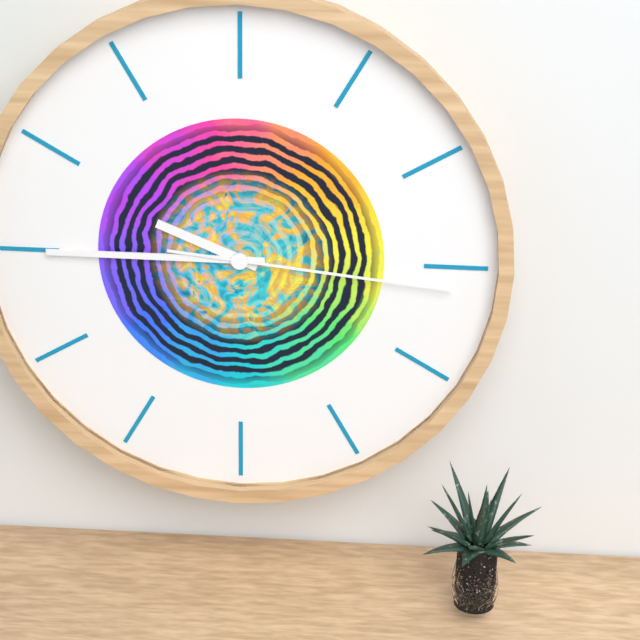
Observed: 9h45m16s
